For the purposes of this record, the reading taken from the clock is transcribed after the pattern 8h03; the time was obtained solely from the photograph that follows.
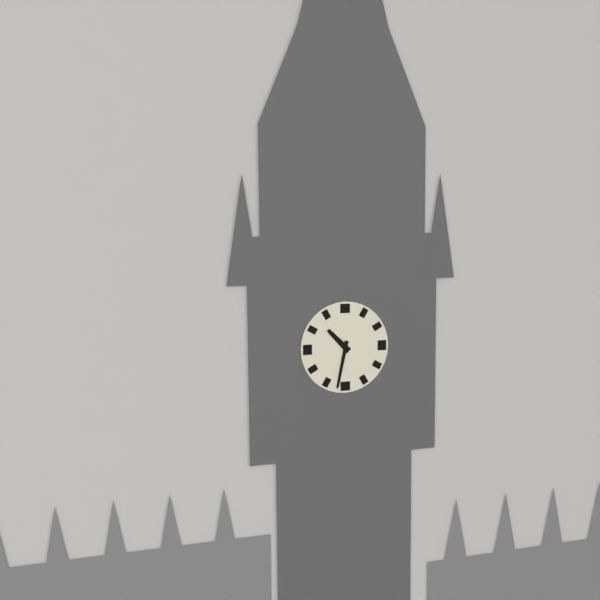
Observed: 10h32
